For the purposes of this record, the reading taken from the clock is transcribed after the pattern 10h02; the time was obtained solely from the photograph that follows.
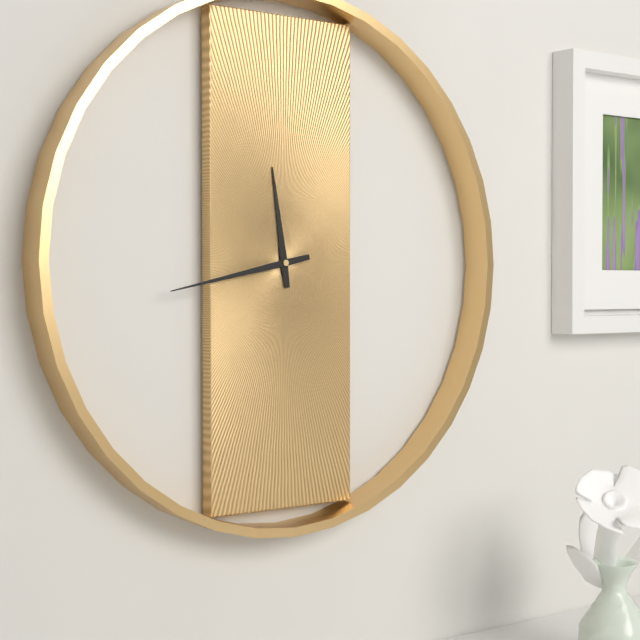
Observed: 11h43
